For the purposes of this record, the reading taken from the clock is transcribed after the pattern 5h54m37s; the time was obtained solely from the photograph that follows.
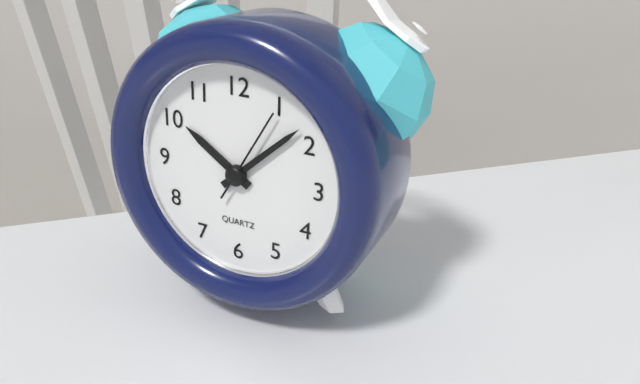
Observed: 10h08m05s
